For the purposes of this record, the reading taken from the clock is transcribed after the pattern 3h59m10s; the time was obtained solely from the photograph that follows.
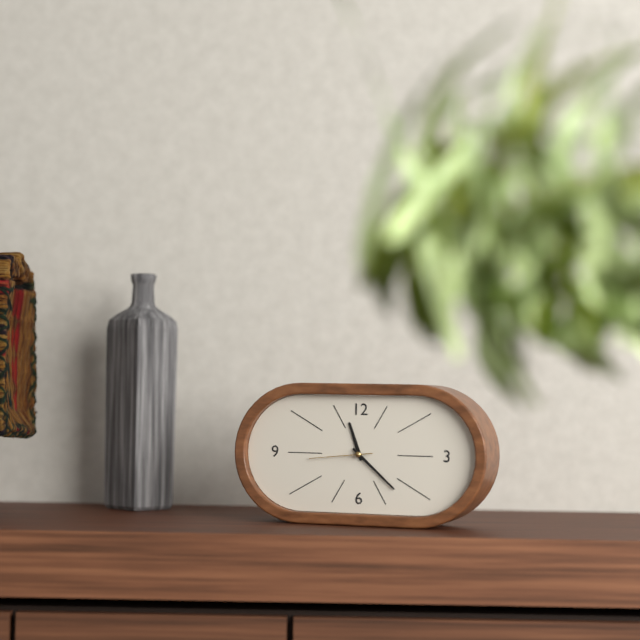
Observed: 11h22m44s
